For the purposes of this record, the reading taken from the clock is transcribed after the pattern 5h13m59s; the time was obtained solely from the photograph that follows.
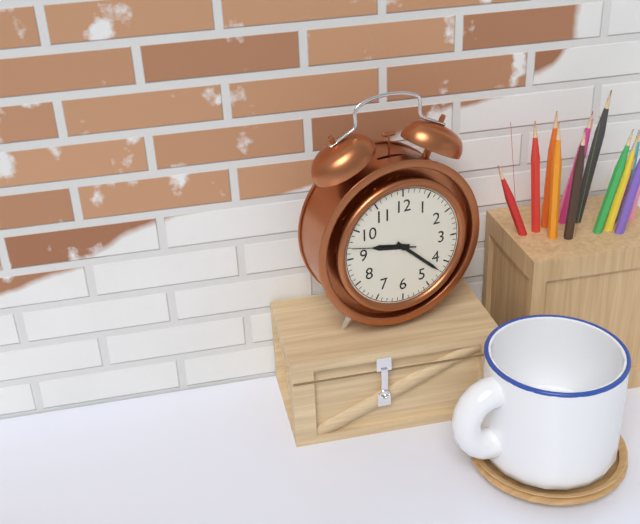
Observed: 9h22m47s
